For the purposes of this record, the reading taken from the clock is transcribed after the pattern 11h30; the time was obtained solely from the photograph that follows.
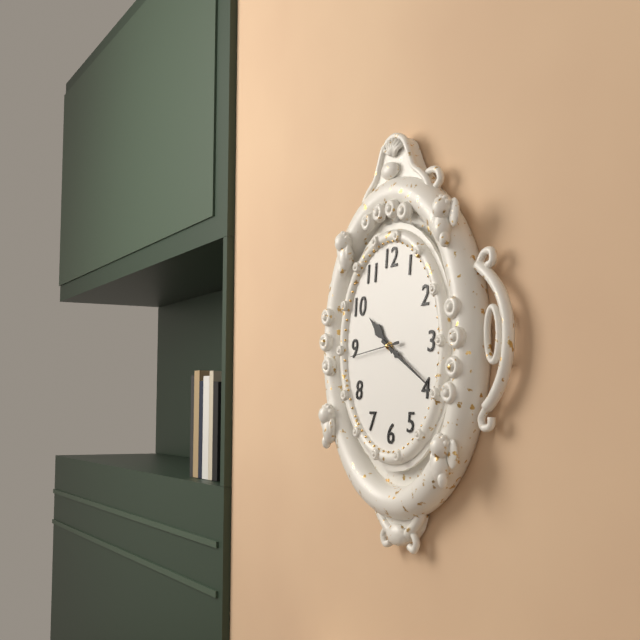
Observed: 10h20
